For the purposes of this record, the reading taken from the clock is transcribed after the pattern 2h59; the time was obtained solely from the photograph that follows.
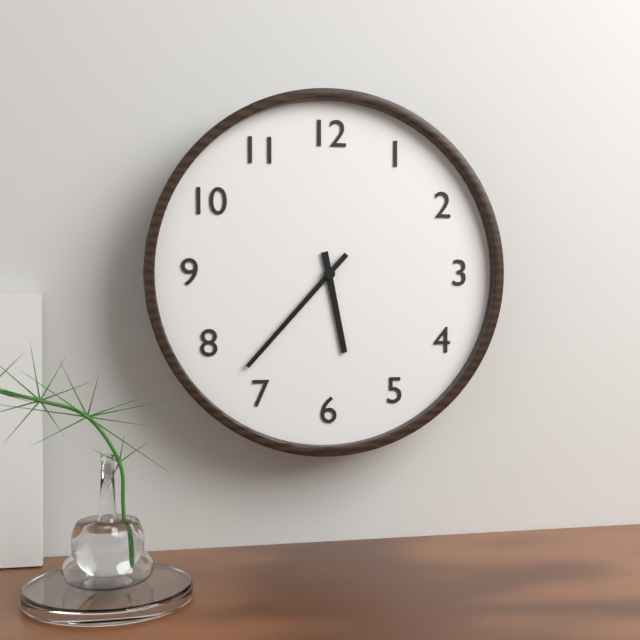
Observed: 5h37
